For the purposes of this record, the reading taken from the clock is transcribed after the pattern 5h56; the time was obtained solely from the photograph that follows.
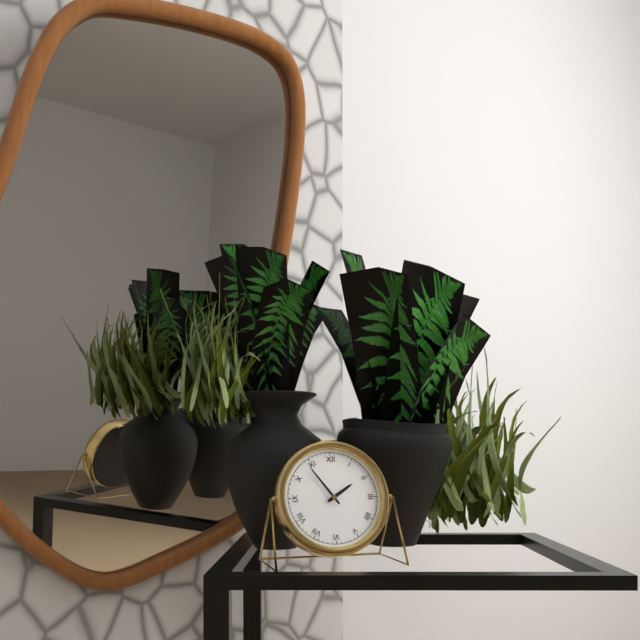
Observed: 1h54
